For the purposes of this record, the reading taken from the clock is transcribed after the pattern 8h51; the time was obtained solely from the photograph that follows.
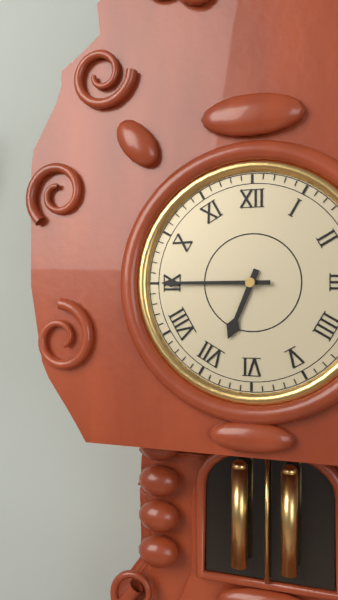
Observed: 6h45
